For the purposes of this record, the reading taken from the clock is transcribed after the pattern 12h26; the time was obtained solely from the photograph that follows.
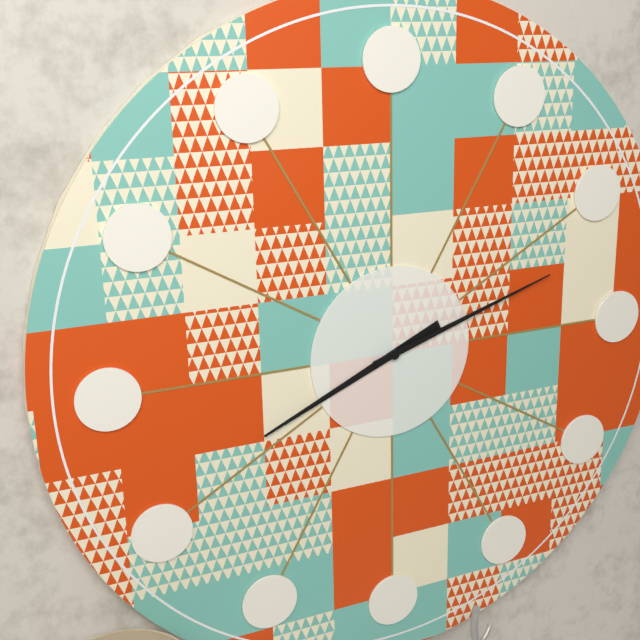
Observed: 8h12
